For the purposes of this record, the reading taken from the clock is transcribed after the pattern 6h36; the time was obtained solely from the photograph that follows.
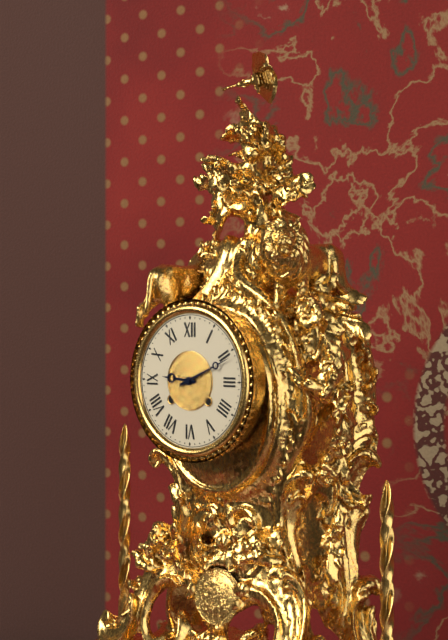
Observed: 9h11
